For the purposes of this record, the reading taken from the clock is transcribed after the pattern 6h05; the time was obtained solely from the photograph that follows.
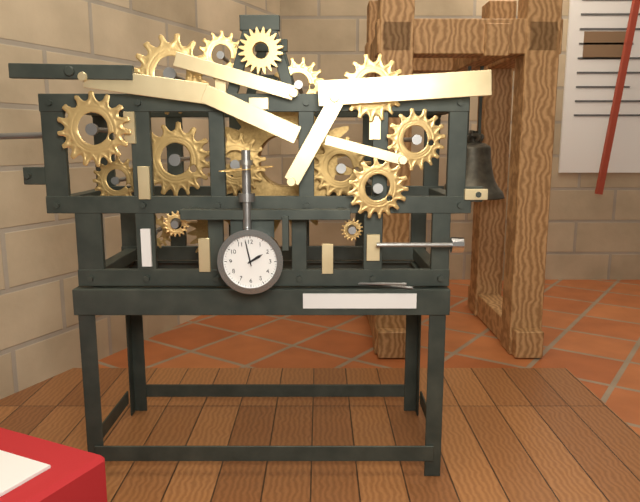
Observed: 1h58
